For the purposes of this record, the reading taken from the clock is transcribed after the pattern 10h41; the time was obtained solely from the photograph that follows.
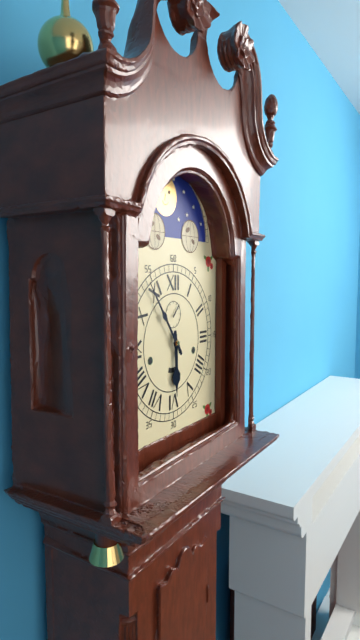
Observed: 5h54
